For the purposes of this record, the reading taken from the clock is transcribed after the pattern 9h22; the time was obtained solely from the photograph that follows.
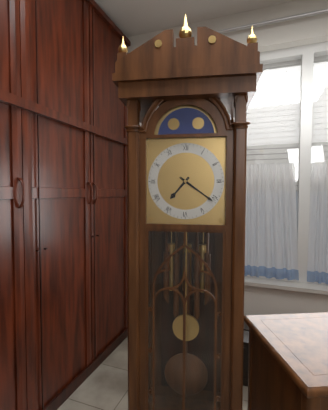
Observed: 7h21
